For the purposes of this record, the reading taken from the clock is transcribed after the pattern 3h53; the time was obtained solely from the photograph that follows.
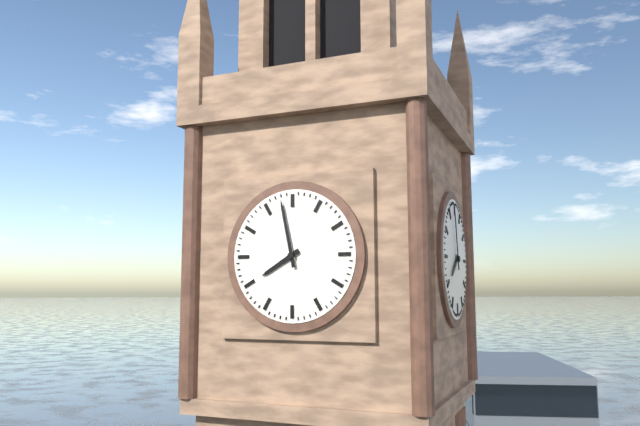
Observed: 7h58
